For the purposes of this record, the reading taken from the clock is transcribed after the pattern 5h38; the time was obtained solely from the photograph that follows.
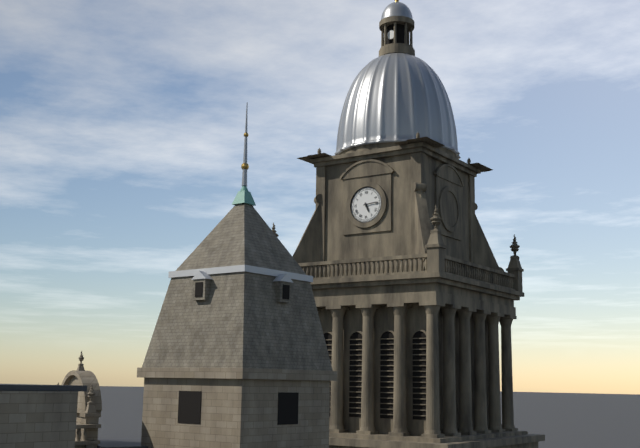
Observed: 5h14
